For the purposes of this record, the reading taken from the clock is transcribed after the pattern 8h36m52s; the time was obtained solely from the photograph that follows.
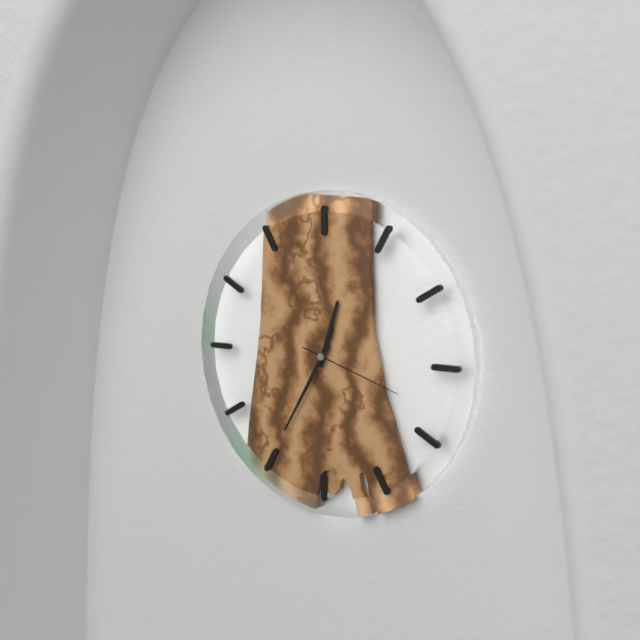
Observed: 12h35m18s
